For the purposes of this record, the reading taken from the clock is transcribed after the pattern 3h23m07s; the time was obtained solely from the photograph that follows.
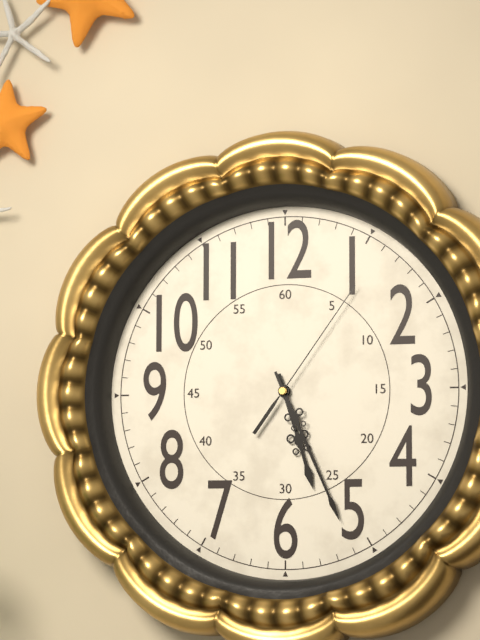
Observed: 5h26m06s
